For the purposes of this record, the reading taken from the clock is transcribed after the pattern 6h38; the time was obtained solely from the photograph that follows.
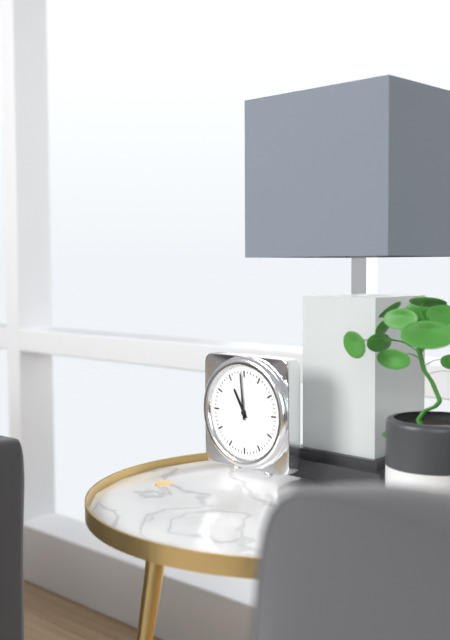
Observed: 10h59
